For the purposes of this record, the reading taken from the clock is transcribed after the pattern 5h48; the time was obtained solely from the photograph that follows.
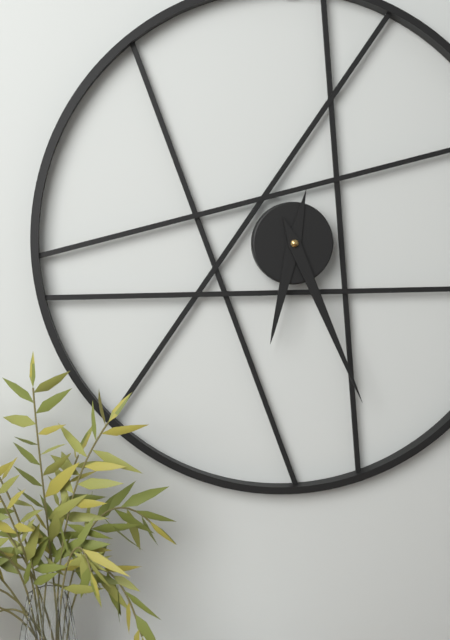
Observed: 6h26
